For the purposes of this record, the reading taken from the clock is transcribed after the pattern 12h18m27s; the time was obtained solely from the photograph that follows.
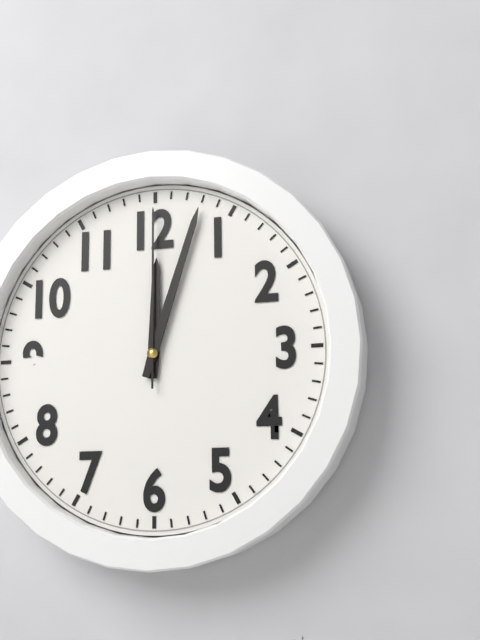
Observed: 12h03m00s
